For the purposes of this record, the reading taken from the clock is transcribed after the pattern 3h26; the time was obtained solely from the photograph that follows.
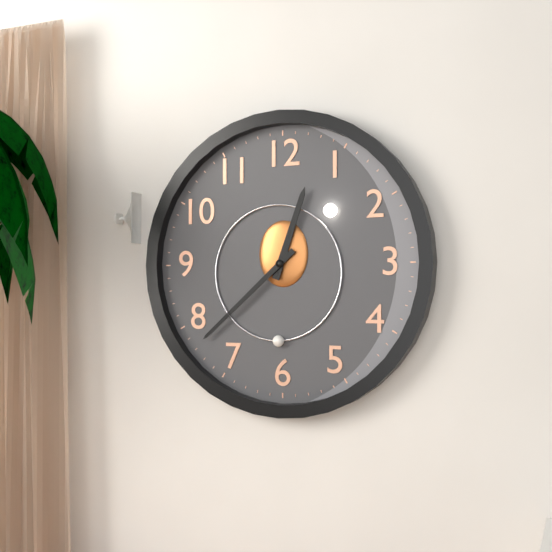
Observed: 12h38
